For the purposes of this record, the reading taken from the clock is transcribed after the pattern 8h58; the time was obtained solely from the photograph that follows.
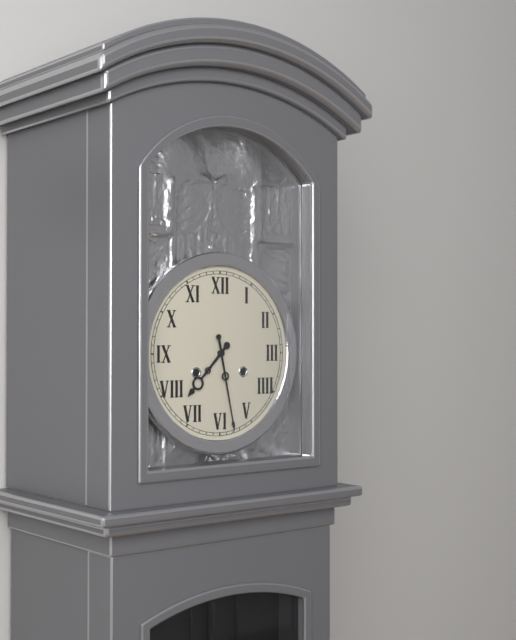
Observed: 7h28
